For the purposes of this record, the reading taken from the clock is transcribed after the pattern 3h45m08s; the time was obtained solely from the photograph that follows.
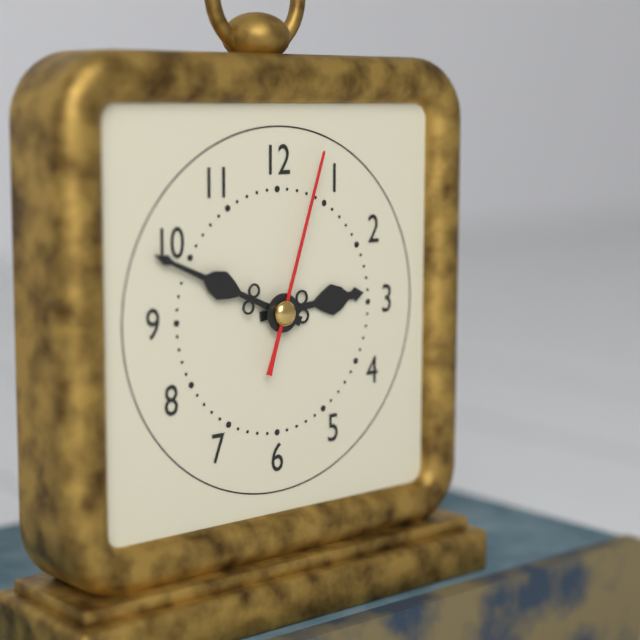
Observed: 2h49m03s
